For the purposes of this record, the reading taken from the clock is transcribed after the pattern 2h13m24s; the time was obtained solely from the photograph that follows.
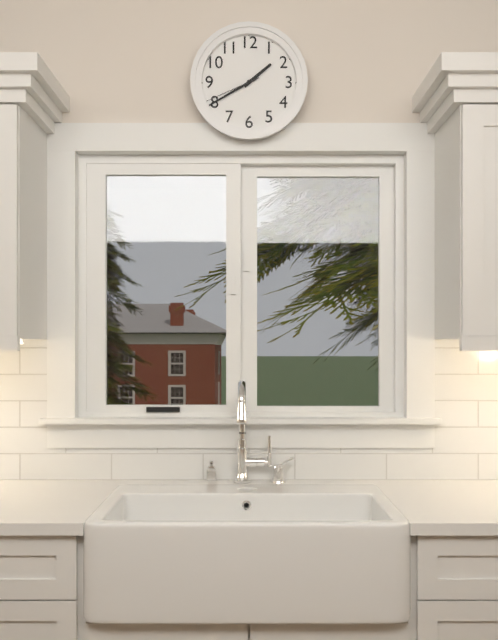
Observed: 1h40m41s
